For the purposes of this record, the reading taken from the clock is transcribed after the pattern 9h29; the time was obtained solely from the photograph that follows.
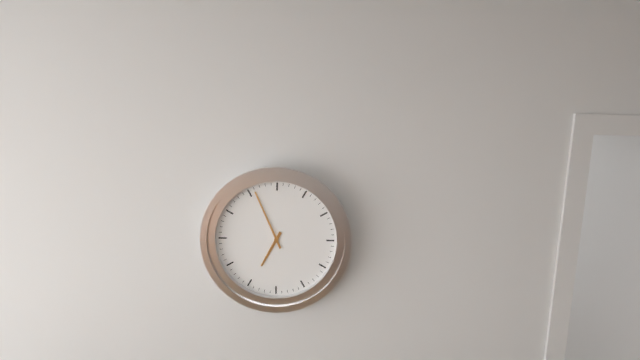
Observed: 6h56
